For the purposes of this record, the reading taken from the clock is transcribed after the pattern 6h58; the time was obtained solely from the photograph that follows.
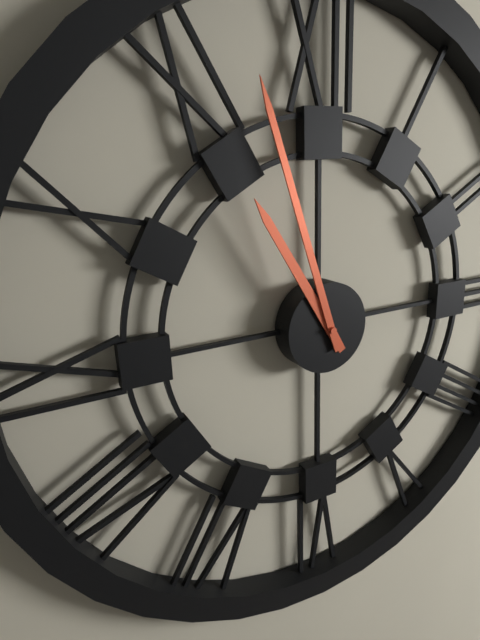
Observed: 10h57
